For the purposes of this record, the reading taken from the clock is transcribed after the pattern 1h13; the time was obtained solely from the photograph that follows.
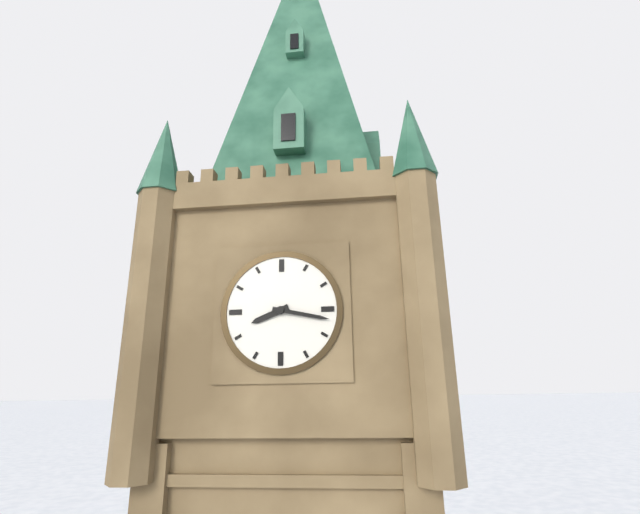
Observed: 8h17
